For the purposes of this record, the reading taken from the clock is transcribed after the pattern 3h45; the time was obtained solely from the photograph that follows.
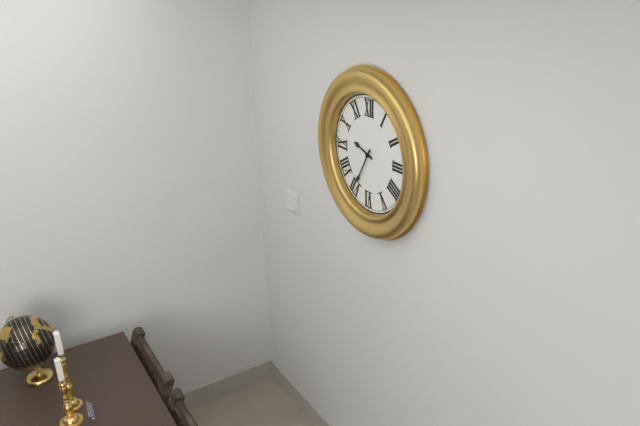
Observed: 9h35
